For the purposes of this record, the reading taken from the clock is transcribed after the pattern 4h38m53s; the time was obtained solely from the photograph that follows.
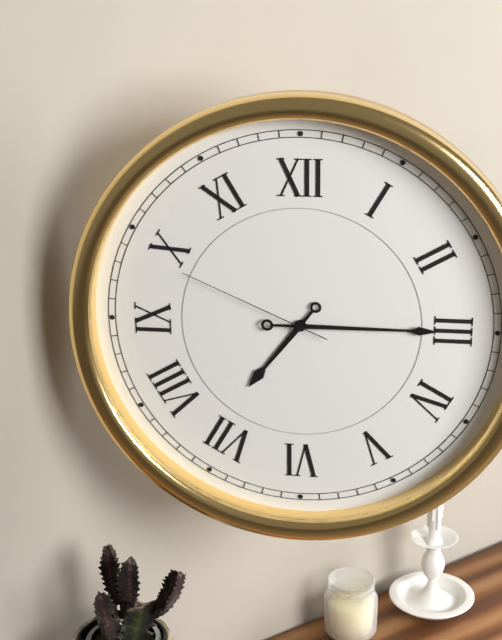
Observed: 7h15m49s
